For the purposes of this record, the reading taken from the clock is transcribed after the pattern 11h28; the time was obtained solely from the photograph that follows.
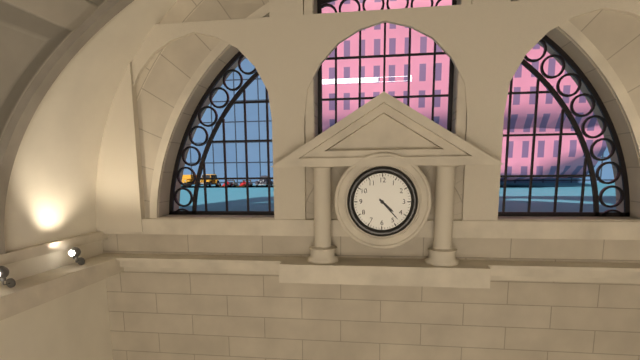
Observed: 4h23
